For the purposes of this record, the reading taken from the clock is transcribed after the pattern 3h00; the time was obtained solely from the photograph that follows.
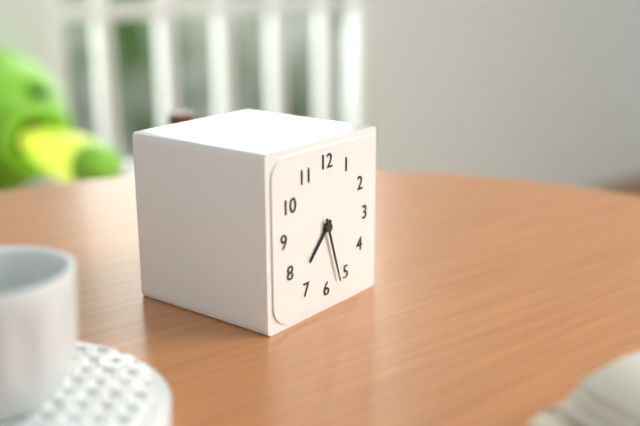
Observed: 7h27
